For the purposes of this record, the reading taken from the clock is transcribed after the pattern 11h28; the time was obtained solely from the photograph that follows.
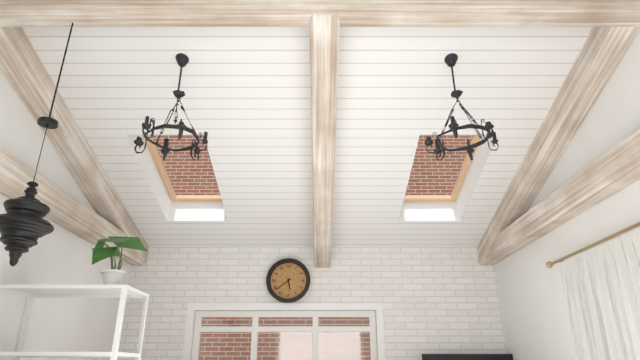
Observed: 5h39
